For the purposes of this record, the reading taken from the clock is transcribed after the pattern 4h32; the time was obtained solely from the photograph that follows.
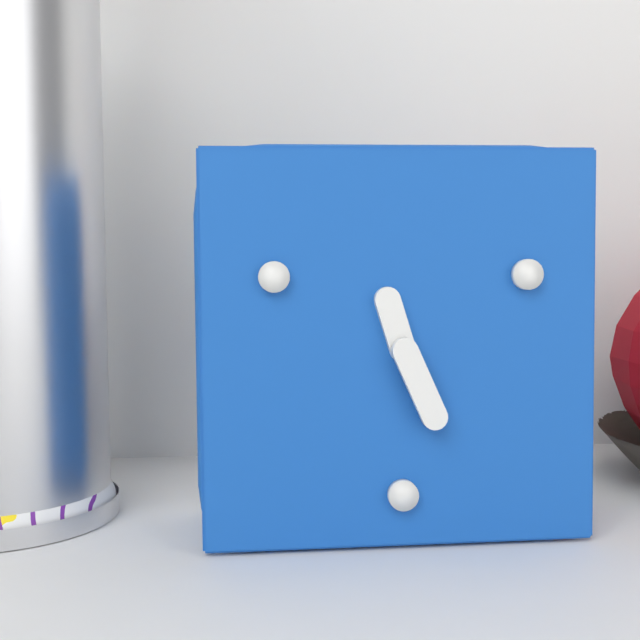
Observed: 11h26
